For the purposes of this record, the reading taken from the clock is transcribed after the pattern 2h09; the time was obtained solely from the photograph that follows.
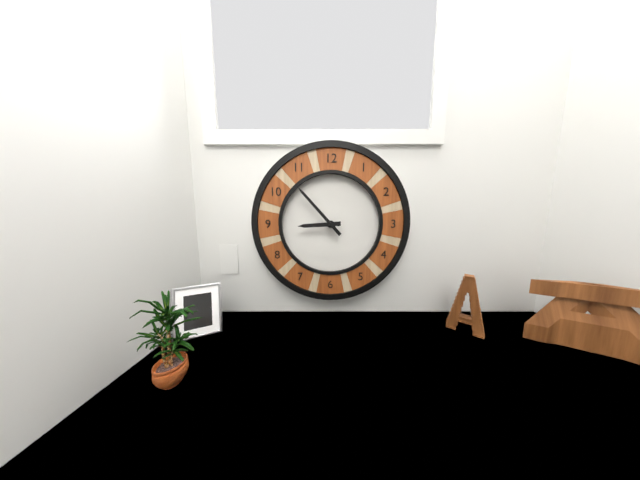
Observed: 8h53
